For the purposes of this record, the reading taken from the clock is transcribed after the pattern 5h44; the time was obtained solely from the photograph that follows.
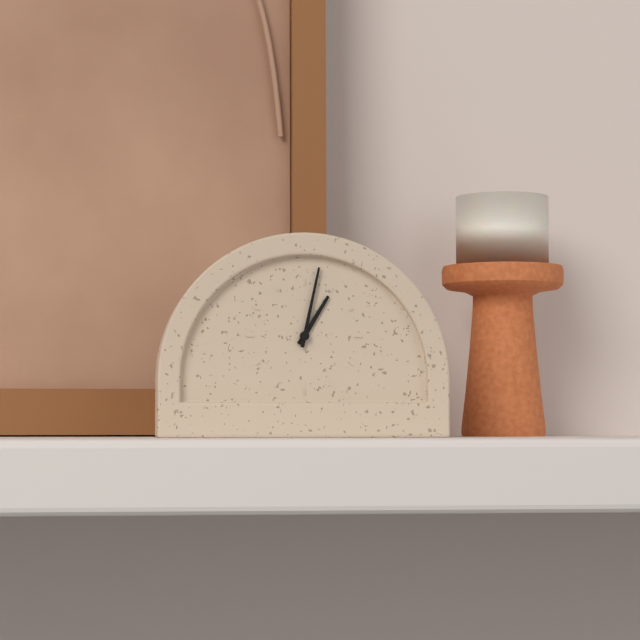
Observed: 1h02
